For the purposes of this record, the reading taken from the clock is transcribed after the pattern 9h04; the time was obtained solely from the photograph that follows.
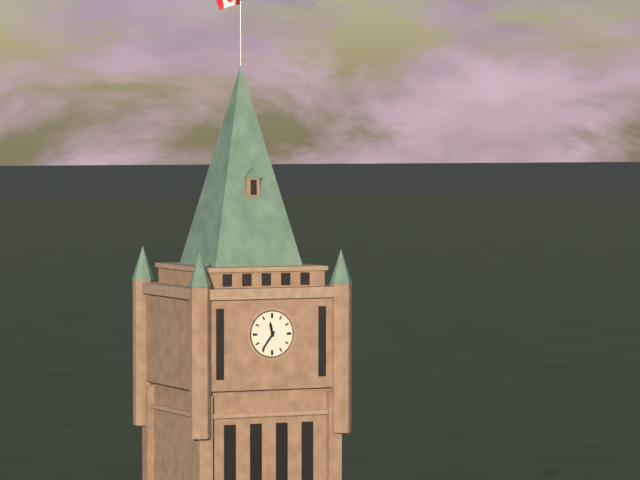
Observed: 11h36
